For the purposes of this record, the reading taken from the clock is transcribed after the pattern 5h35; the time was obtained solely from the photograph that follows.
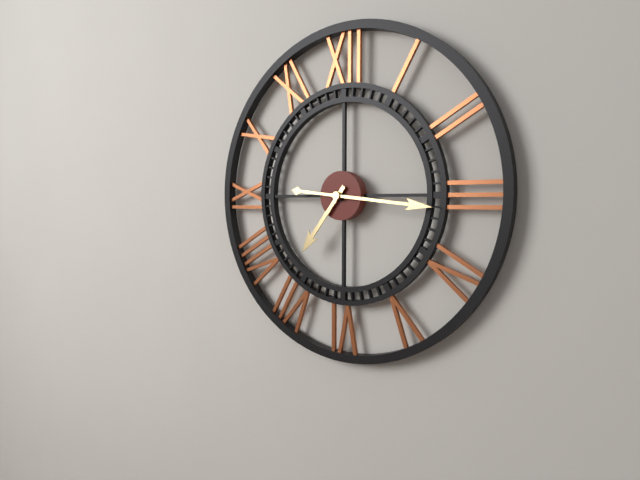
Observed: 7h16
